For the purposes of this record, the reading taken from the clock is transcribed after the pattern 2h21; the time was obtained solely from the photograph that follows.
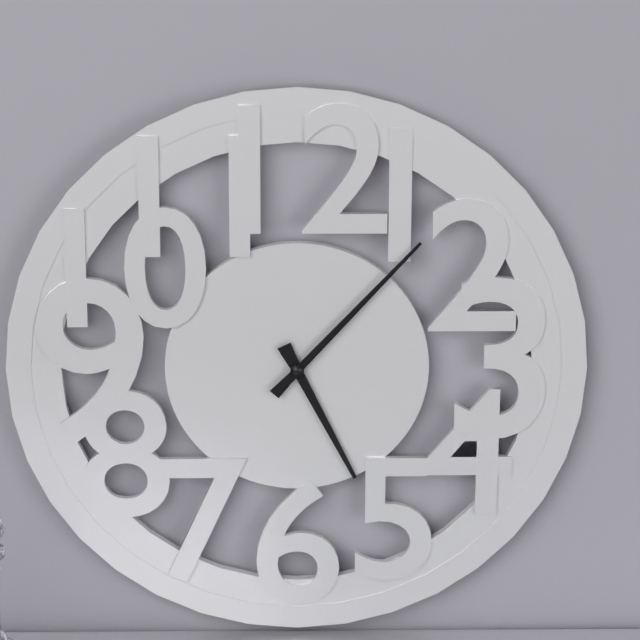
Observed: 5h07
